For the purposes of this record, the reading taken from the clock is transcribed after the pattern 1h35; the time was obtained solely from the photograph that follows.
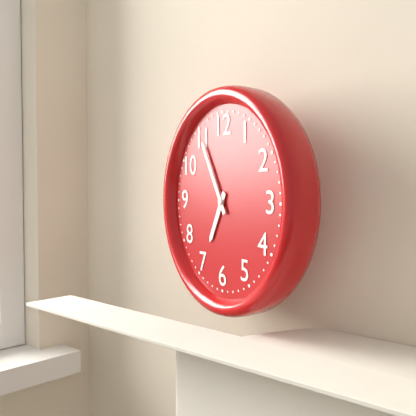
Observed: 6h55
